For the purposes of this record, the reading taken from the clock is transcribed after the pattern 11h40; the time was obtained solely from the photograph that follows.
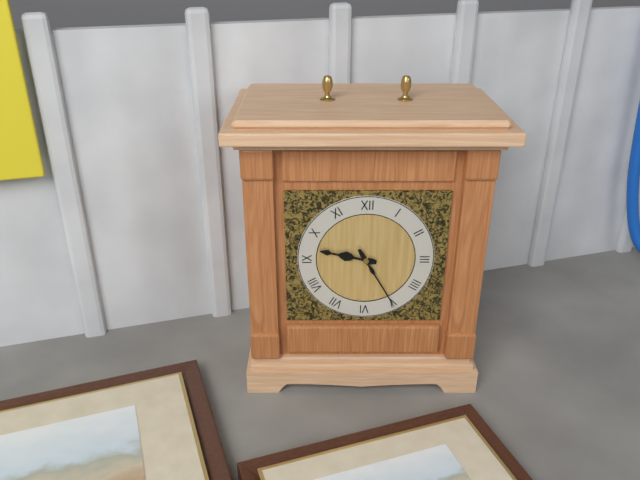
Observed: 9h25
